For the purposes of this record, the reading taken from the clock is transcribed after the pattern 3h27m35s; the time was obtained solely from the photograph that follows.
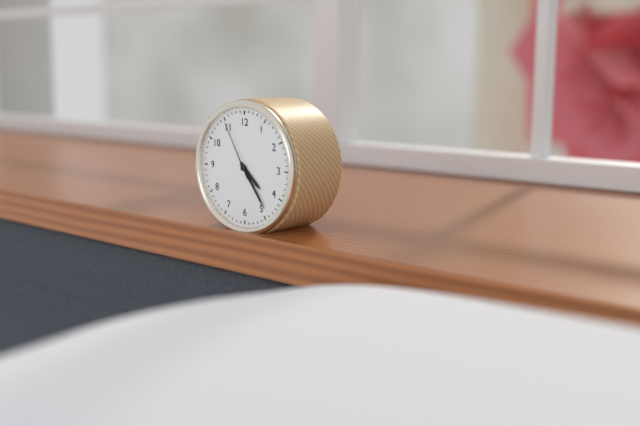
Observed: 4h24m55s
